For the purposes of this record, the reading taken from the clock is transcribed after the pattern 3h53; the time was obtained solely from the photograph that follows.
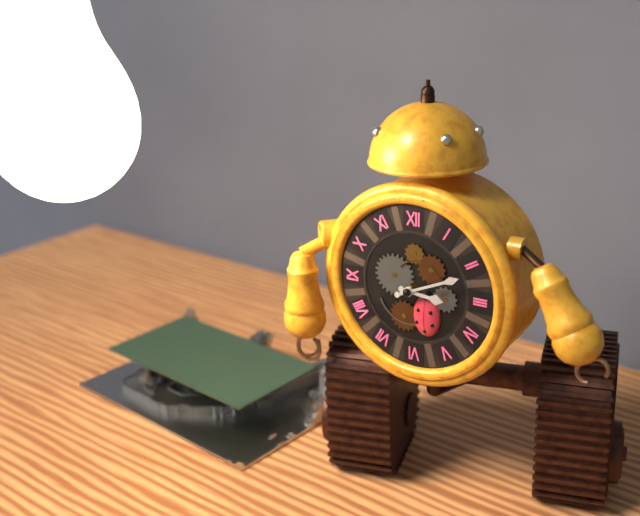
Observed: 3h11
